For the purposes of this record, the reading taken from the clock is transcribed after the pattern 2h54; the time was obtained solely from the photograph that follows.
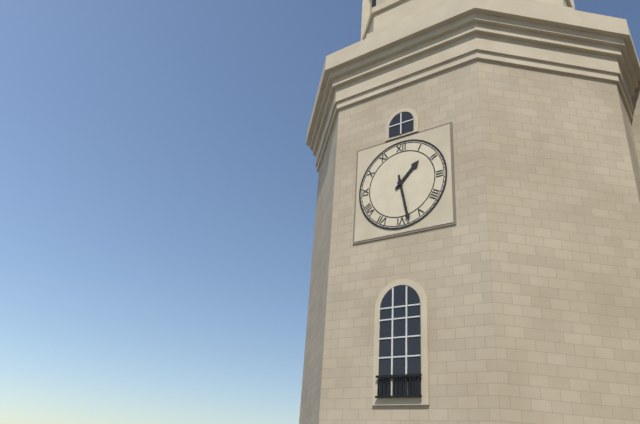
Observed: 1h28
